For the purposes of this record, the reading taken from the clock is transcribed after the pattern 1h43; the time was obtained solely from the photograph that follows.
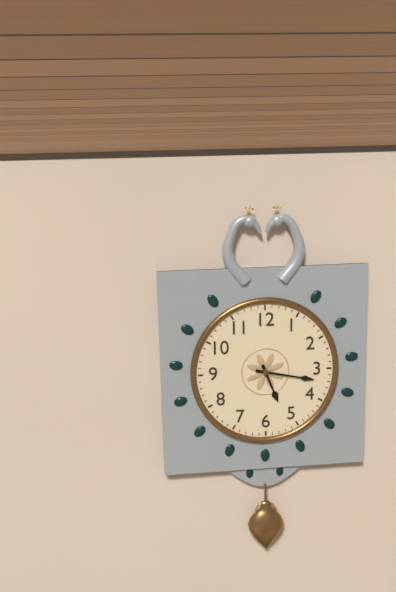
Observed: 5h17
